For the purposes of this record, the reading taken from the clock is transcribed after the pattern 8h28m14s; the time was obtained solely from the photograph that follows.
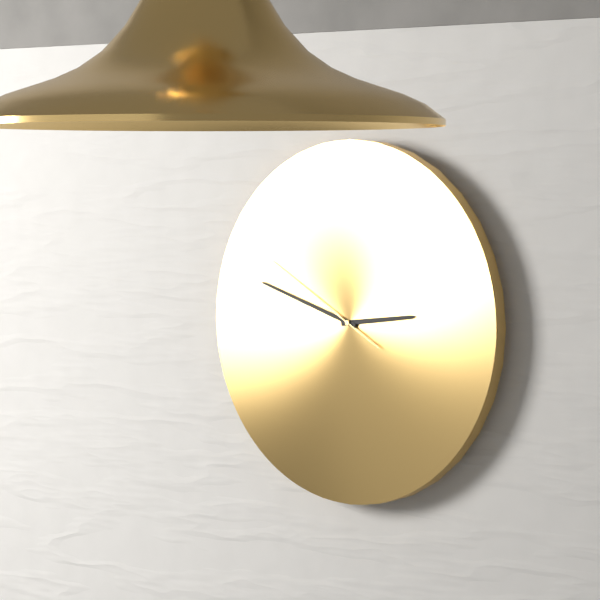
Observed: 2h48m50s
